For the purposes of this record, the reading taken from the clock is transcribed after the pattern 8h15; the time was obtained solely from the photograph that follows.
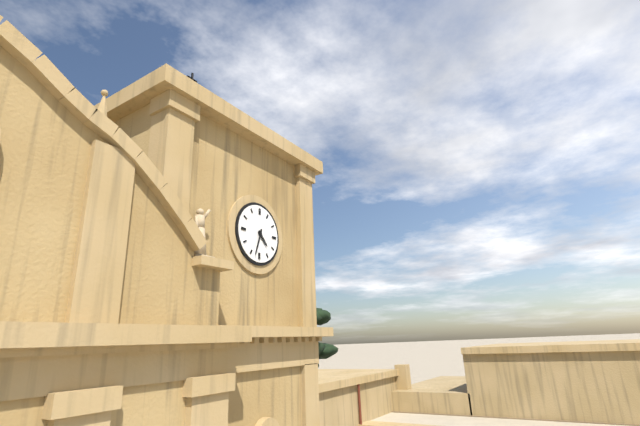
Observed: 4h33
